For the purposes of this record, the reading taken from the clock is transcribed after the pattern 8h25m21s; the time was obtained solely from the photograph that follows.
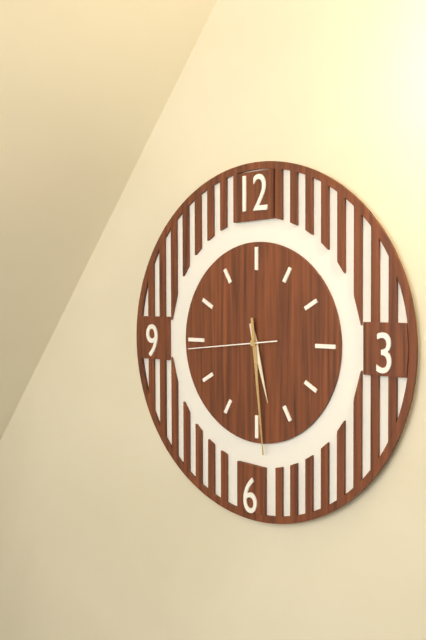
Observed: 5h29m44s
